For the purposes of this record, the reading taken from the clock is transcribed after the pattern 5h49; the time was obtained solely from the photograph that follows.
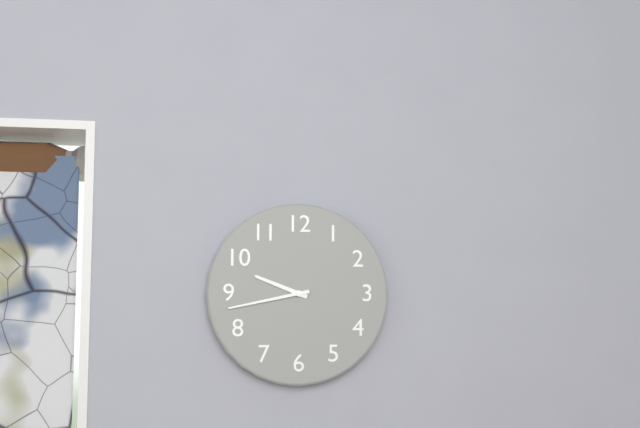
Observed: 9h43
